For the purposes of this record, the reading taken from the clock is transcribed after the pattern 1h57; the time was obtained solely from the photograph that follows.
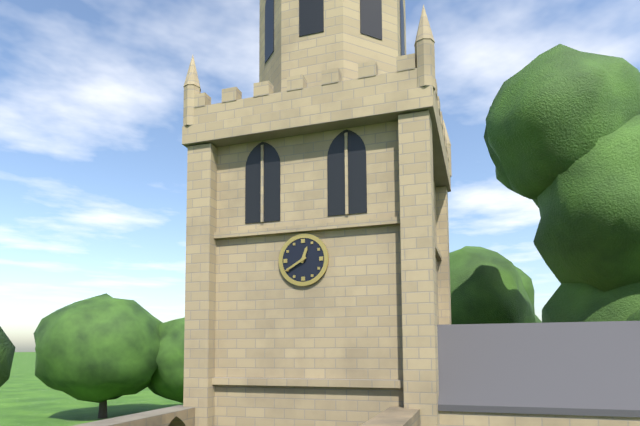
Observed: 12h40
